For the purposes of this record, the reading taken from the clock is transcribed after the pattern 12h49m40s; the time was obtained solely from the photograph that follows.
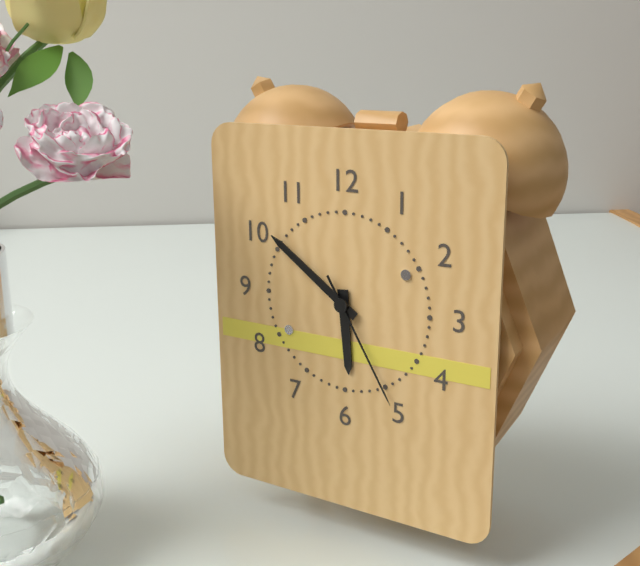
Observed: 5h51m25s
